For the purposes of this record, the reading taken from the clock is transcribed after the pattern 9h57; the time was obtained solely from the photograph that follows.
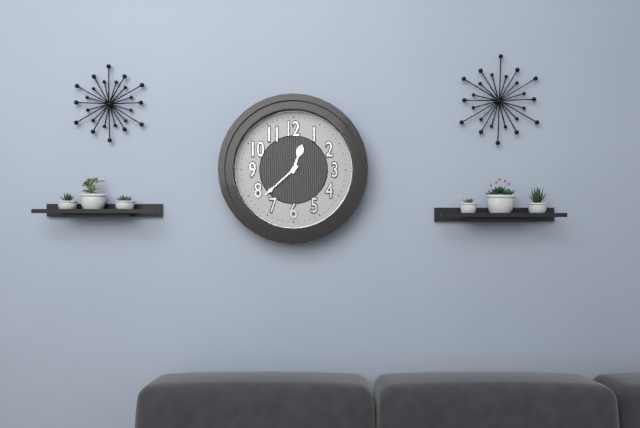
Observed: 12h38
